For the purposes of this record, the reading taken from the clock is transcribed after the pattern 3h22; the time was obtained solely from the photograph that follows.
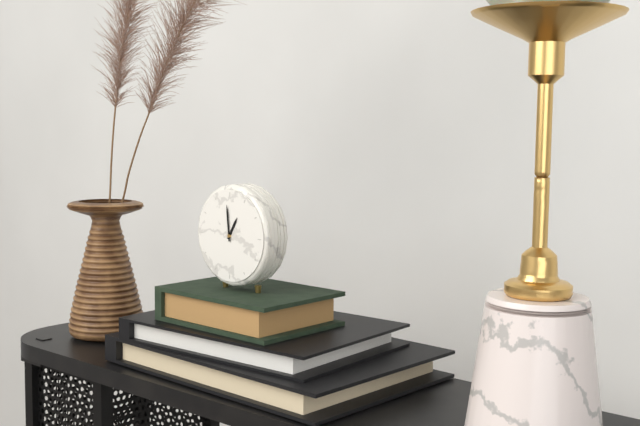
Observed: 12h59
